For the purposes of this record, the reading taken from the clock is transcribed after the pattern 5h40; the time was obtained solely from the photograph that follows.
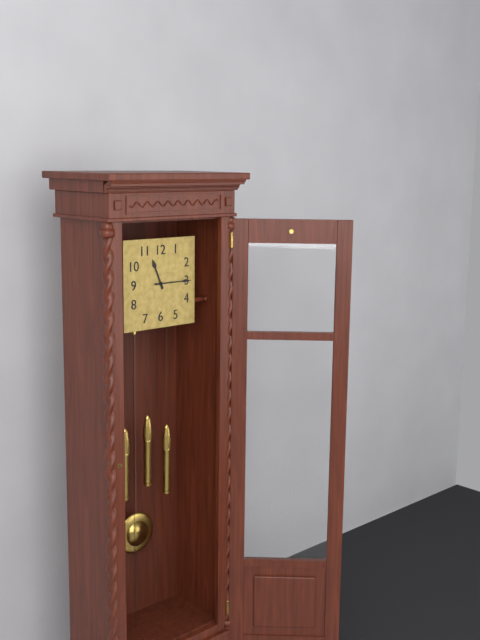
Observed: 11h15
